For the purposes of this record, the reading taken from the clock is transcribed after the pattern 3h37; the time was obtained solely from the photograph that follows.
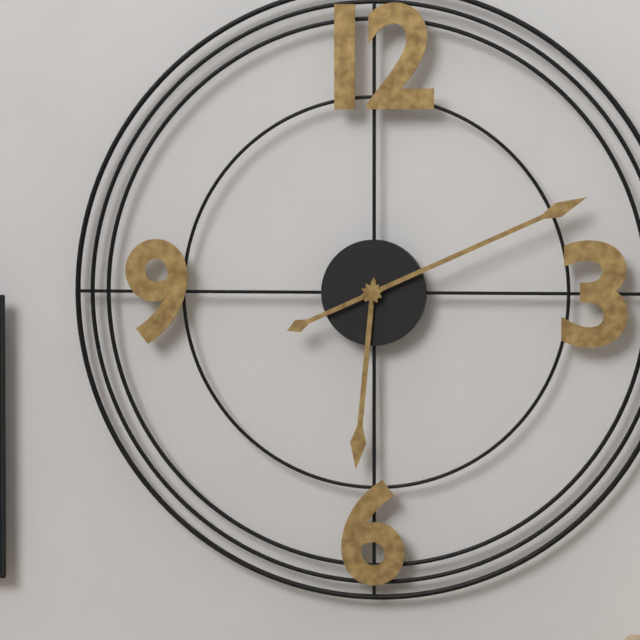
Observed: 6h11
